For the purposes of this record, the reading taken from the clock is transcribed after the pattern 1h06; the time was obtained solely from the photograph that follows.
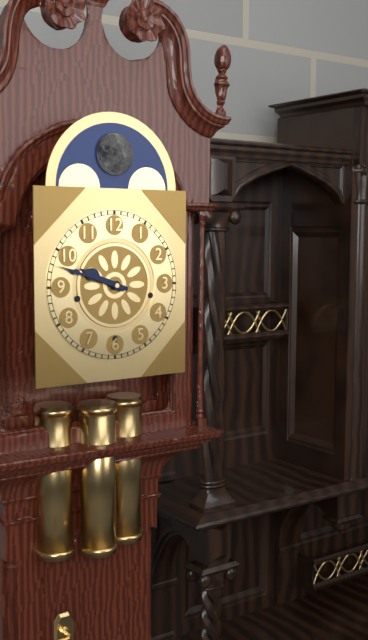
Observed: 9h48
